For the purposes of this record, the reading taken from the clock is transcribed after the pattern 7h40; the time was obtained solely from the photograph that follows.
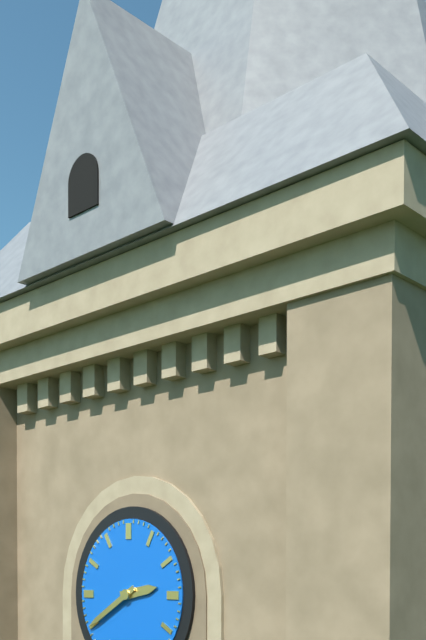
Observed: 2h40
